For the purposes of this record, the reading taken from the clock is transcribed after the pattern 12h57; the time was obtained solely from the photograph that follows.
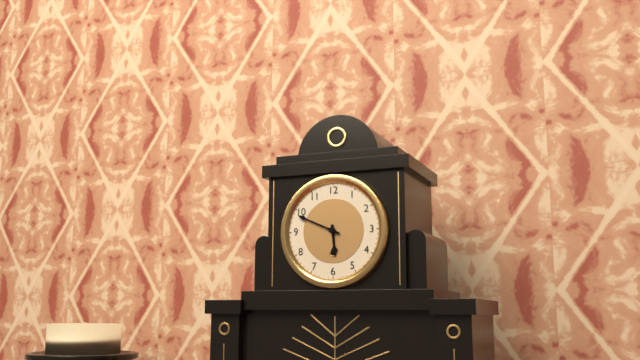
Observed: 5h49
